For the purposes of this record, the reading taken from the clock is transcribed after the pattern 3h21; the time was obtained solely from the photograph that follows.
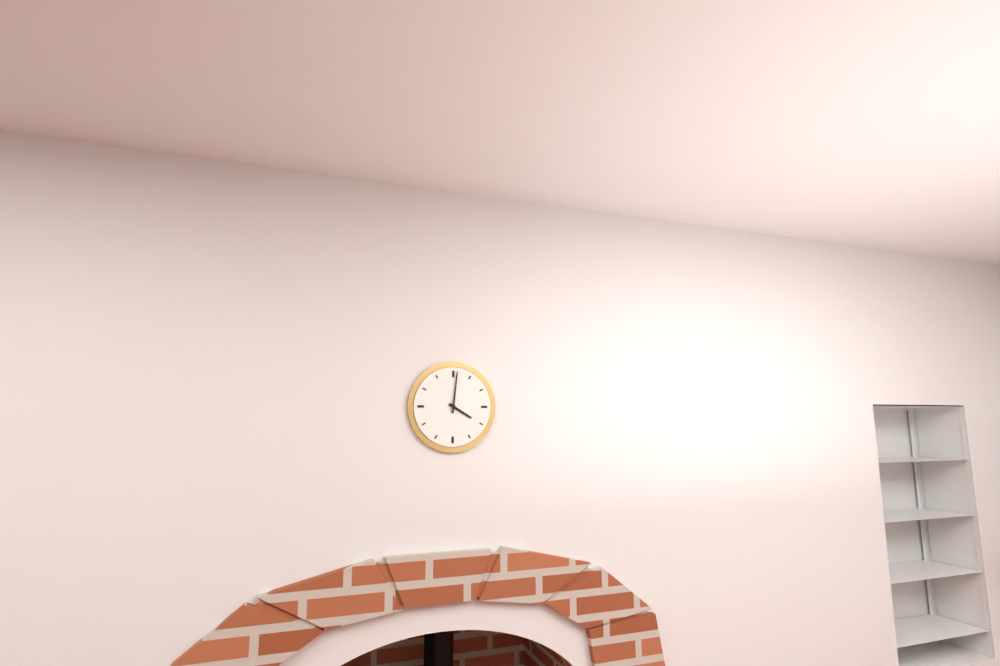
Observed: 4h01
